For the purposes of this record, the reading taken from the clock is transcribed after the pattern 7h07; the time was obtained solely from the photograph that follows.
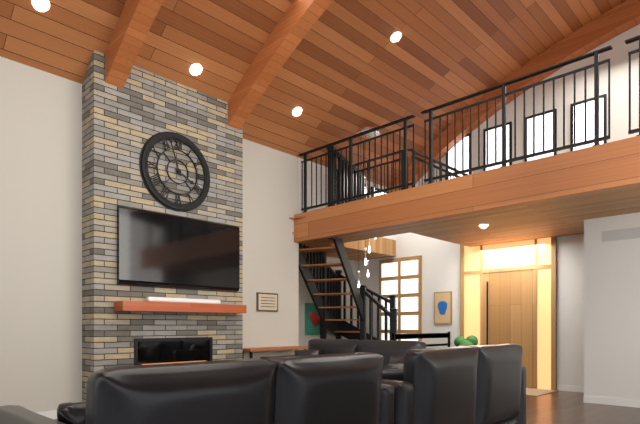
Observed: 3h57
